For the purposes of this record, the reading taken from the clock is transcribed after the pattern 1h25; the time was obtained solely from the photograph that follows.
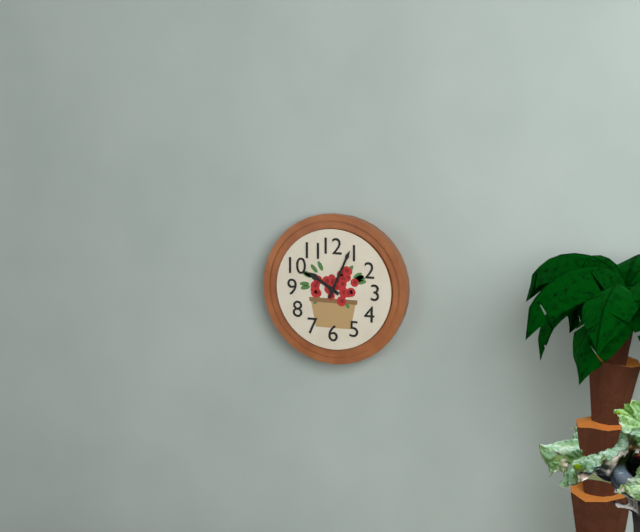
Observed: 10h04
